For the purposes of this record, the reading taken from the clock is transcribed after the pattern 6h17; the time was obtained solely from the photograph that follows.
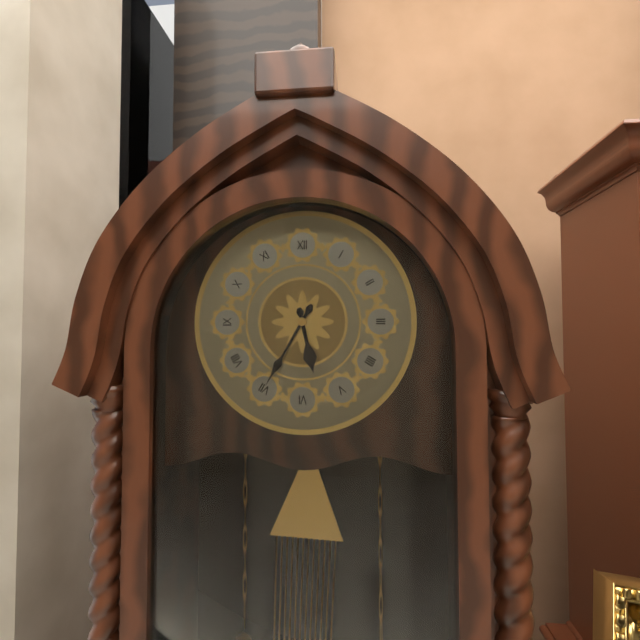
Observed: 5h35
